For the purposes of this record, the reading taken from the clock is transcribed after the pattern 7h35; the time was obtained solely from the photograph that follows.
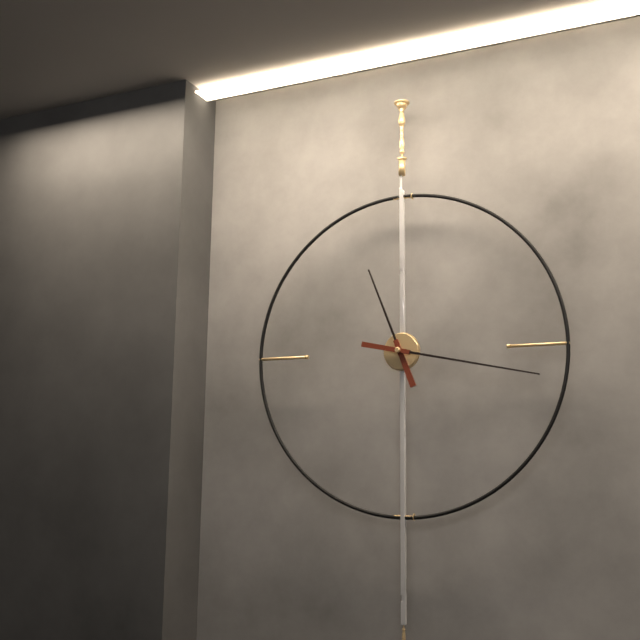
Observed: 11h17
